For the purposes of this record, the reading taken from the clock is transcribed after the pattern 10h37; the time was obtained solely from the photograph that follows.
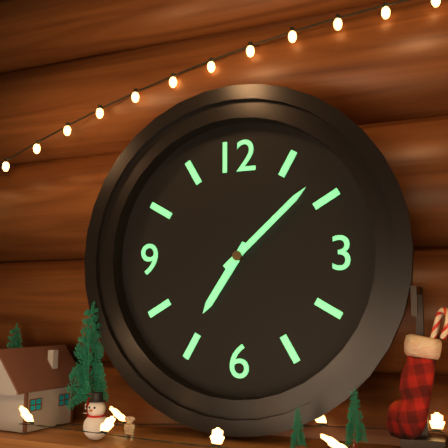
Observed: 7h08
